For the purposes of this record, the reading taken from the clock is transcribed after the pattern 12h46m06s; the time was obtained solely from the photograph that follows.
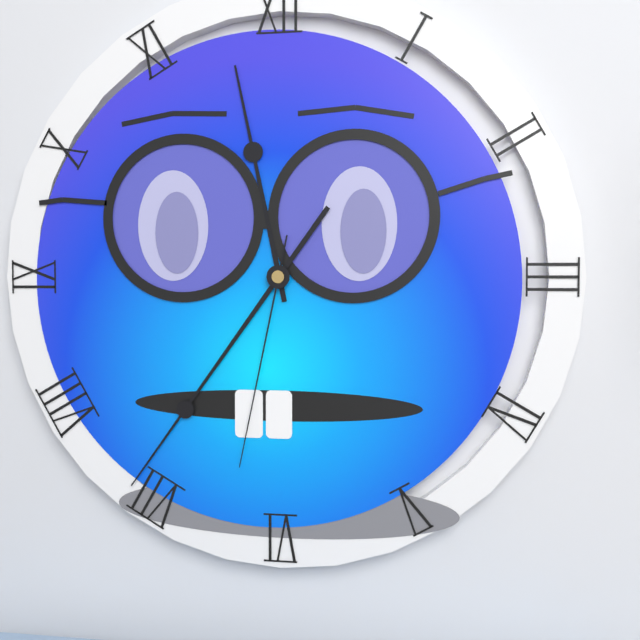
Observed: 11h36m32s
